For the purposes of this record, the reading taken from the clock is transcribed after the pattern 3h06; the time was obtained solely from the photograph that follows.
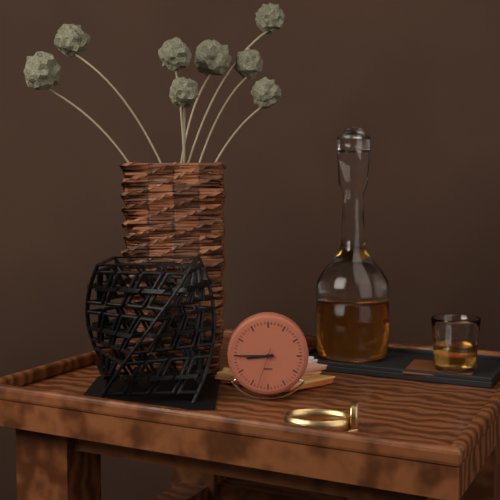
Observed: 8h45
